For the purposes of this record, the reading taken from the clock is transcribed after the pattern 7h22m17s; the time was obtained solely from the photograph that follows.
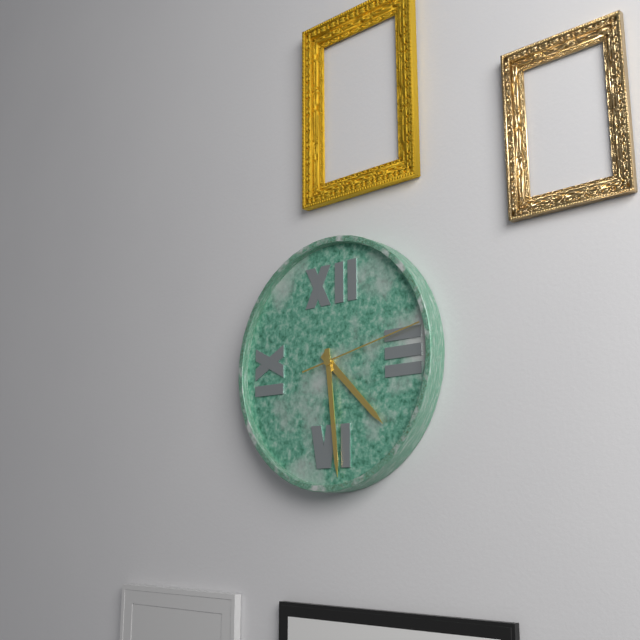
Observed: 4h29m13s
